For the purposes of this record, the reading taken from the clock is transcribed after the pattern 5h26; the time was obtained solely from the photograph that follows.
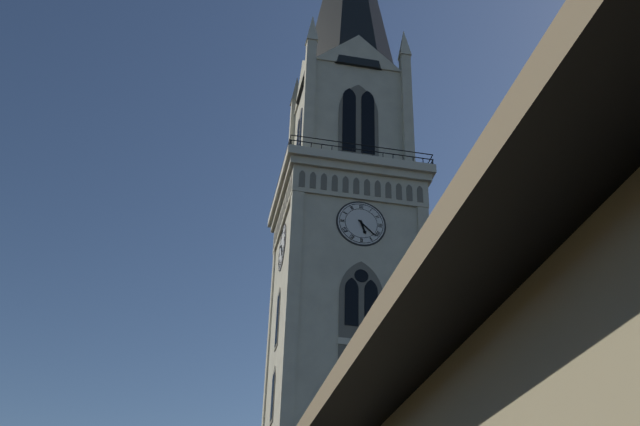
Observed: 5h22
